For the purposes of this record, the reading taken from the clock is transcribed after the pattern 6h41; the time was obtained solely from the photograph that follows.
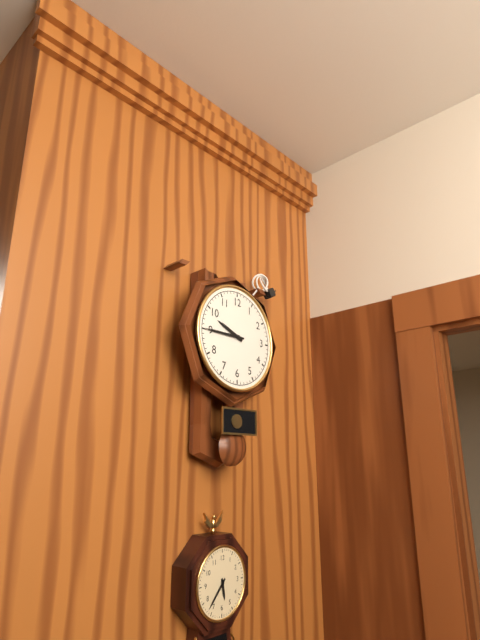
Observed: 9h45
